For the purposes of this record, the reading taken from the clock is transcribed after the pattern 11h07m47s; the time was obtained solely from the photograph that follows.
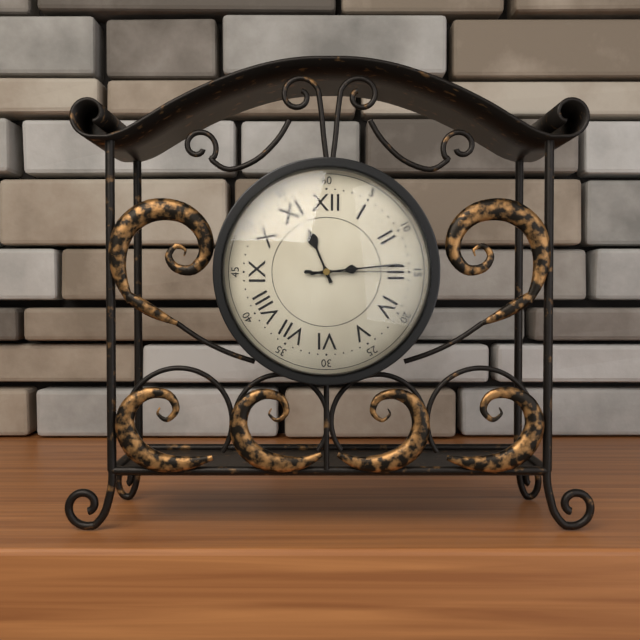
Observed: 11h14m15s
